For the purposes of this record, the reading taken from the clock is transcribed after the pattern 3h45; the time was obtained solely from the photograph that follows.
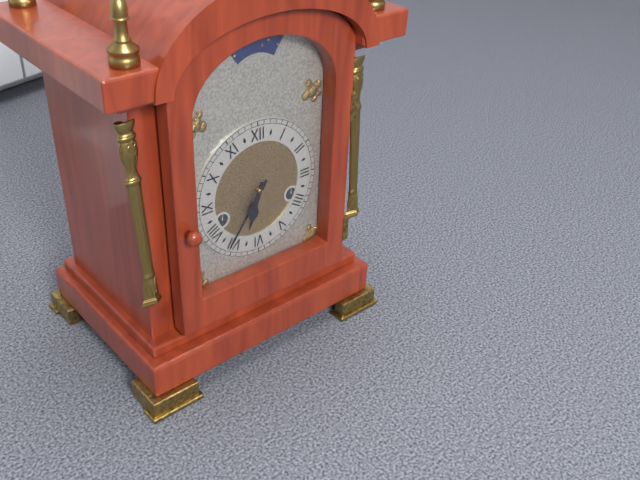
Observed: 6h36
